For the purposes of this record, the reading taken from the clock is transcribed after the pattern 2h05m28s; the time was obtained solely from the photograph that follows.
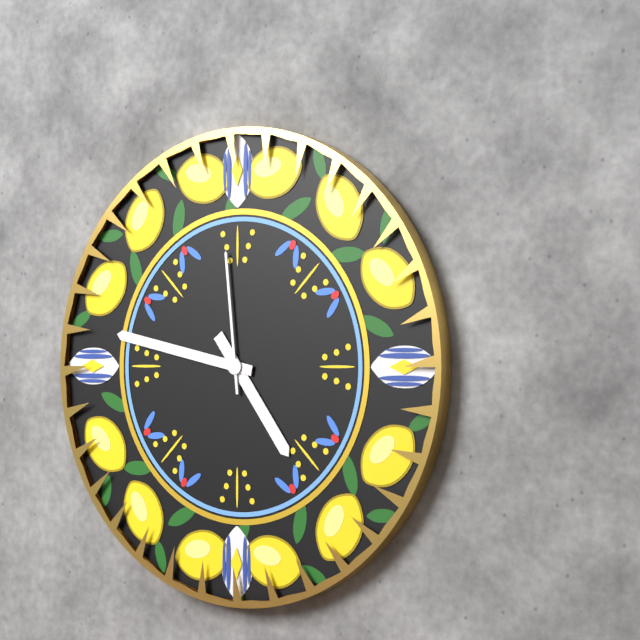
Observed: 4h47m59s
